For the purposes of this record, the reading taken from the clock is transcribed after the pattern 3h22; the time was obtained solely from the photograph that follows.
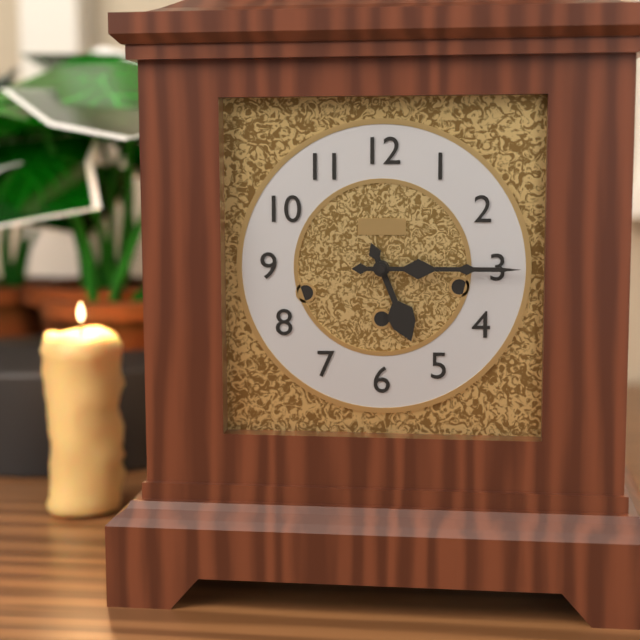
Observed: 5h15
